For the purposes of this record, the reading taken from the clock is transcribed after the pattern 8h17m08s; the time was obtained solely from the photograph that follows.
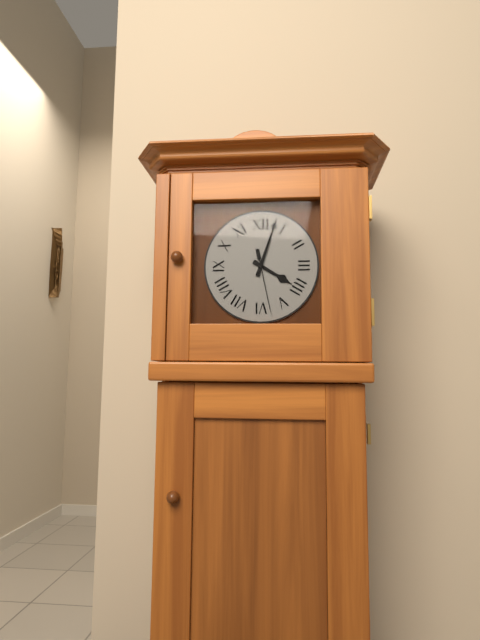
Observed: 4h03m28s
